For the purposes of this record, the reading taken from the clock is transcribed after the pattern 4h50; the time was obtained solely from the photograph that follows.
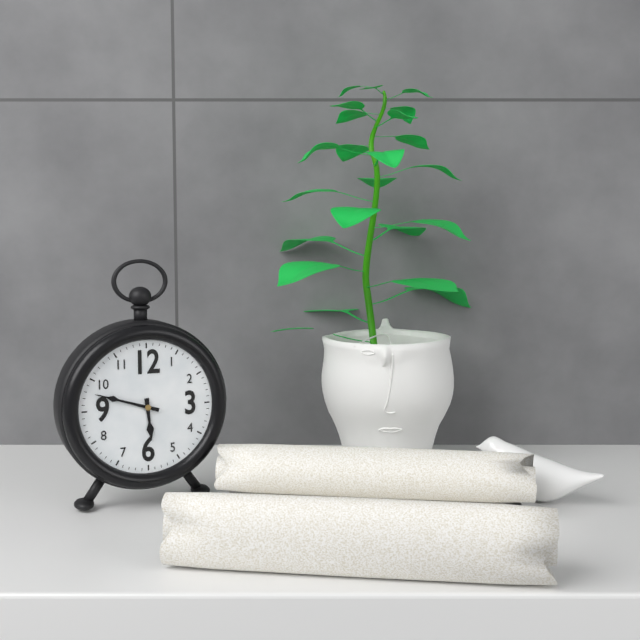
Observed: 5h48
